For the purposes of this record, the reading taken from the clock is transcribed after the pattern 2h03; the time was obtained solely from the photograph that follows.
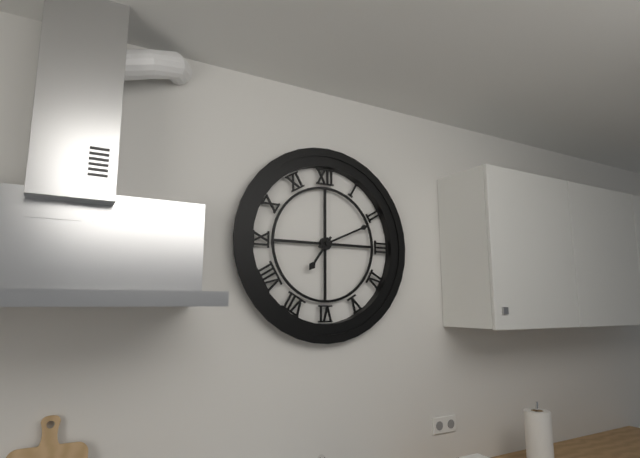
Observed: 7h11
